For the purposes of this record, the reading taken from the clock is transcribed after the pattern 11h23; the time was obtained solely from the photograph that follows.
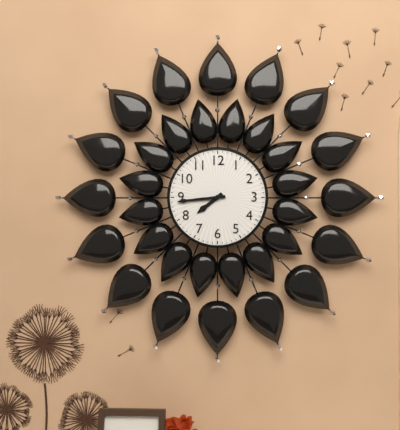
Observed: 7h44
